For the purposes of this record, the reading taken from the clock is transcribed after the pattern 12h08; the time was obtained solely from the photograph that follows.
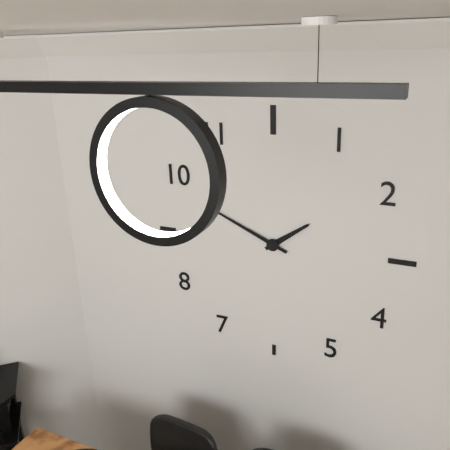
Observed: 1h49
